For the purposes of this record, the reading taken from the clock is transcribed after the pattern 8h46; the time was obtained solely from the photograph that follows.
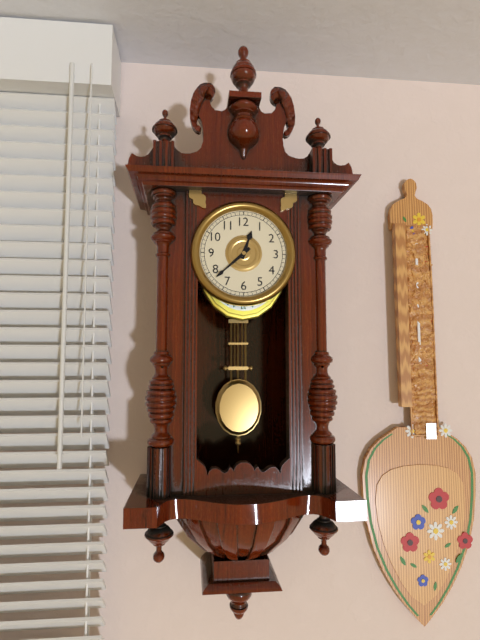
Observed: 12h38
